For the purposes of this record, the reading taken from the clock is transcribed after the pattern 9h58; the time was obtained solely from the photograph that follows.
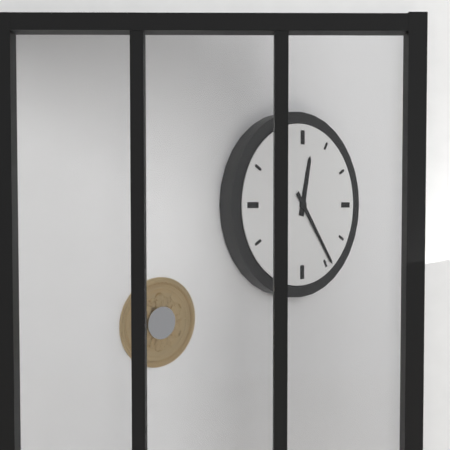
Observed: 12h24
